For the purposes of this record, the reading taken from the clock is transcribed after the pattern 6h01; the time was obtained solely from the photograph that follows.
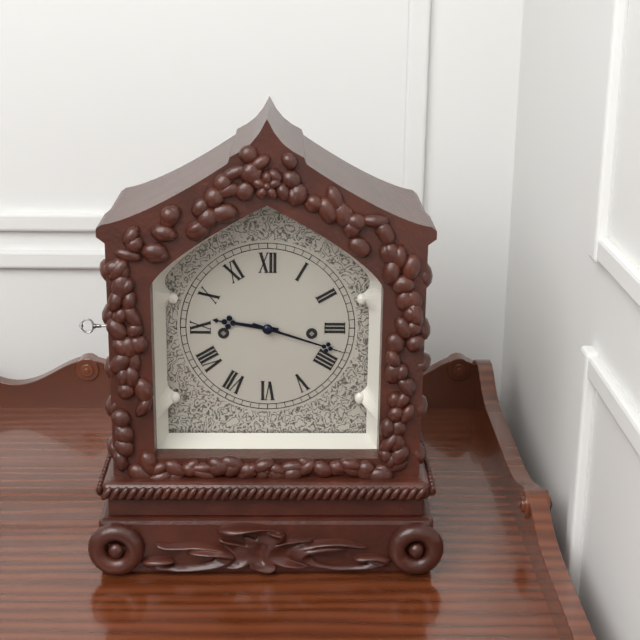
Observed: 9h18
